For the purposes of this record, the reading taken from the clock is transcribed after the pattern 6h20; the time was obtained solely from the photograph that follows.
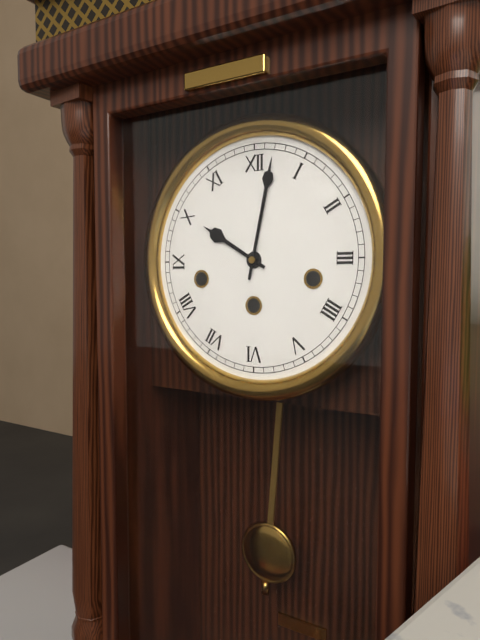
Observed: 10h02
